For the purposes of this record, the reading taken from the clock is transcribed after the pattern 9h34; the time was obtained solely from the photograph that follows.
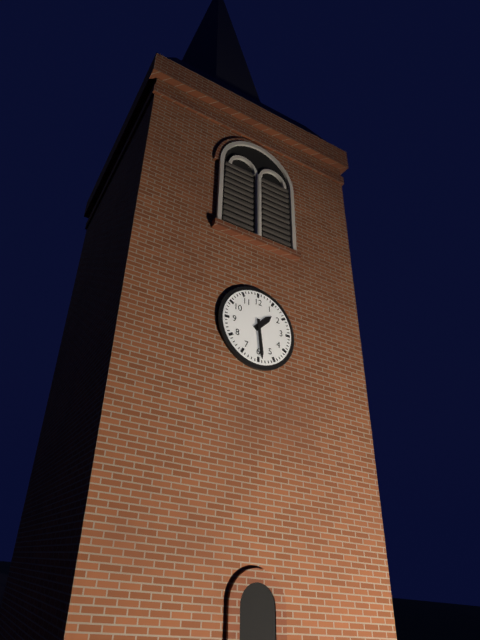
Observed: 1h29
